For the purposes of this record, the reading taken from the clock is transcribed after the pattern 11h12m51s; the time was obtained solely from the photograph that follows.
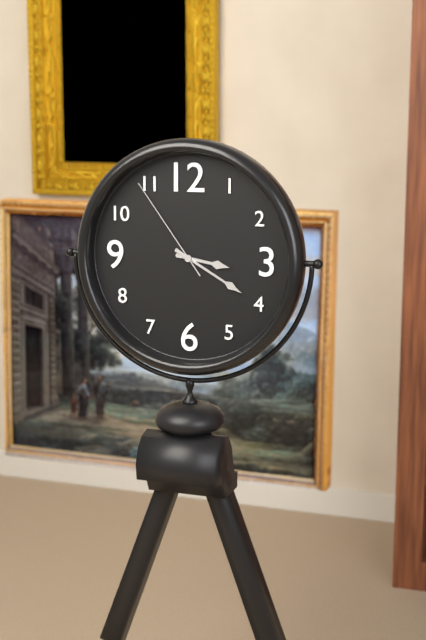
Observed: 3h20m54s
